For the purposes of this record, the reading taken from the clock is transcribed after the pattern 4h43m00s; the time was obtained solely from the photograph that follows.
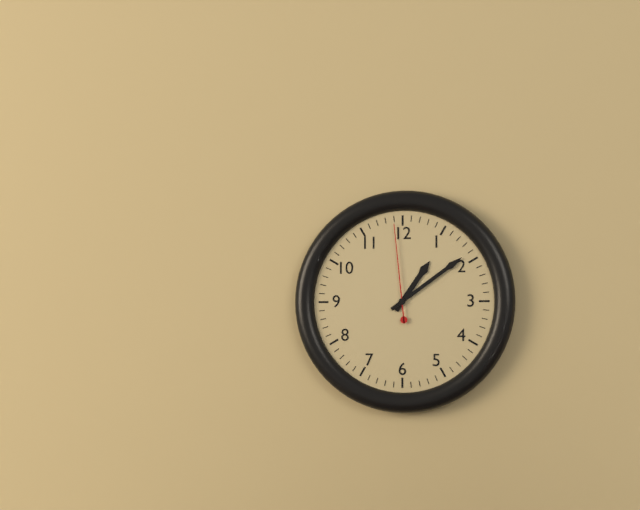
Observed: 1h09m59s
